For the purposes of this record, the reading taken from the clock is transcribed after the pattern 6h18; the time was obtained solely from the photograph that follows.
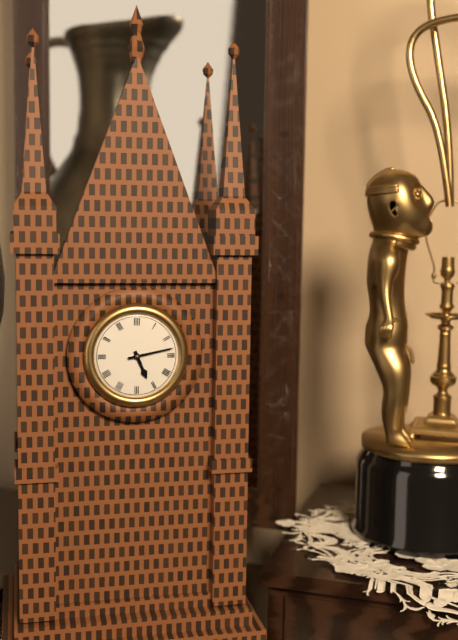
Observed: 5h13
